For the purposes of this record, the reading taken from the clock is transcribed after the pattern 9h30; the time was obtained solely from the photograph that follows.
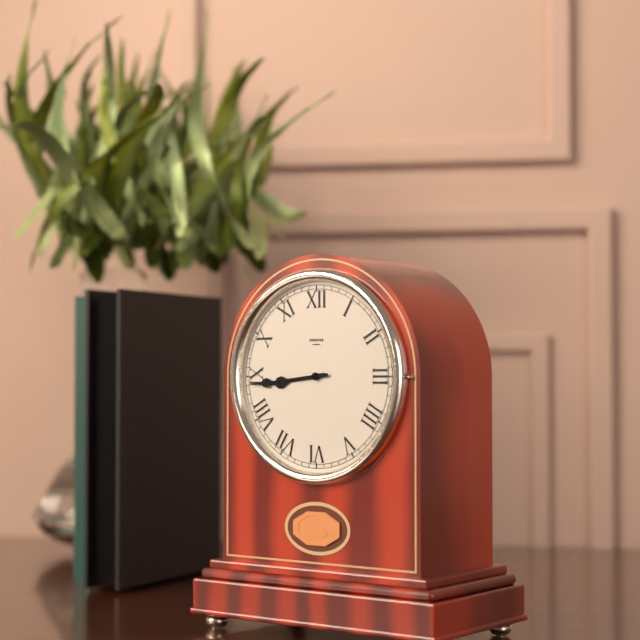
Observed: 8h44
